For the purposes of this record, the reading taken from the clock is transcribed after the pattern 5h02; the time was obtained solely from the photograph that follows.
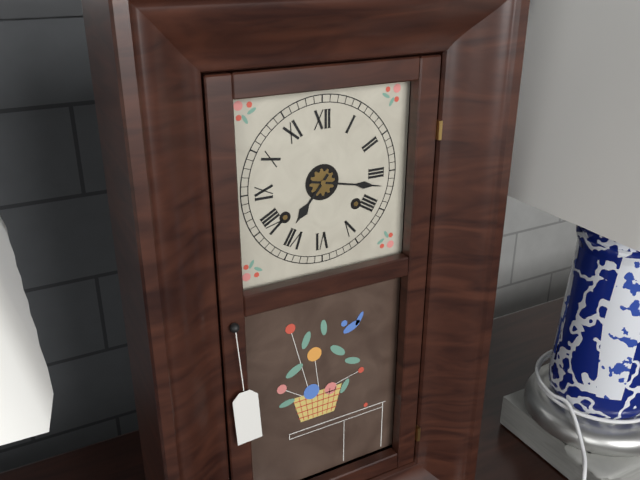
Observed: 7h17
